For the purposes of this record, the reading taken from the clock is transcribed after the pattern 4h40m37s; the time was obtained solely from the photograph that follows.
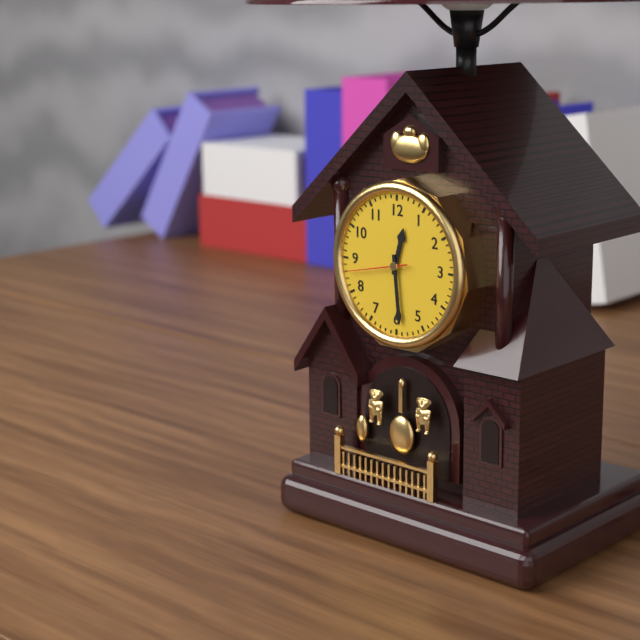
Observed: 12h29m43s
